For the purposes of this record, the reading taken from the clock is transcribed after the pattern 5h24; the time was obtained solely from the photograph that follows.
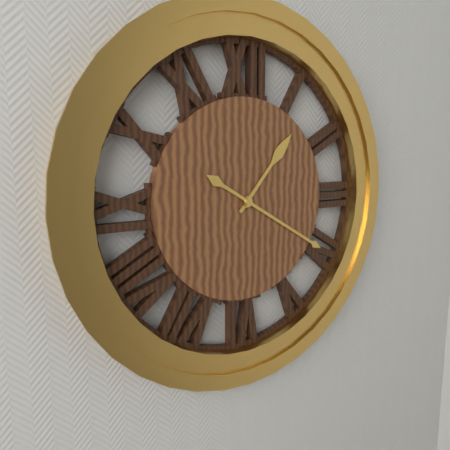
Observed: 1h20
